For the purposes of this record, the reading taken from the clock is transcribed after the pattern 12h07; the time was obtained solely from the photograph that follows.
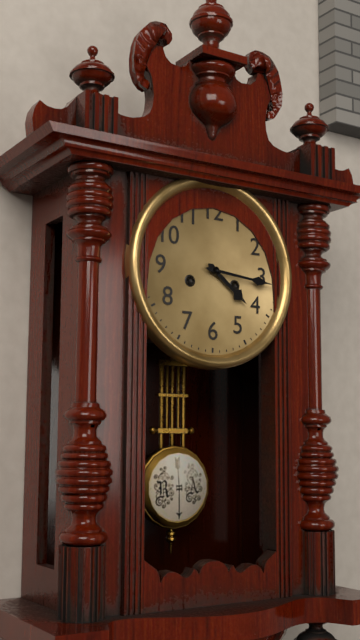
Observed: 4h16
